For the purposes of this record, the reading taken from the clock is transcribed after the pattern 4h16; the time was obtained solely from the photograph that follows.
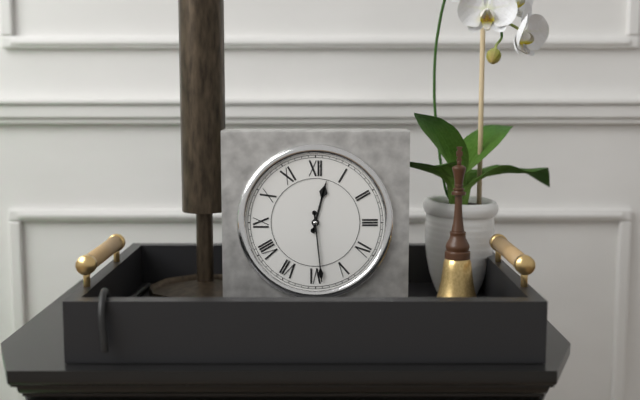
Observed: 12h29
